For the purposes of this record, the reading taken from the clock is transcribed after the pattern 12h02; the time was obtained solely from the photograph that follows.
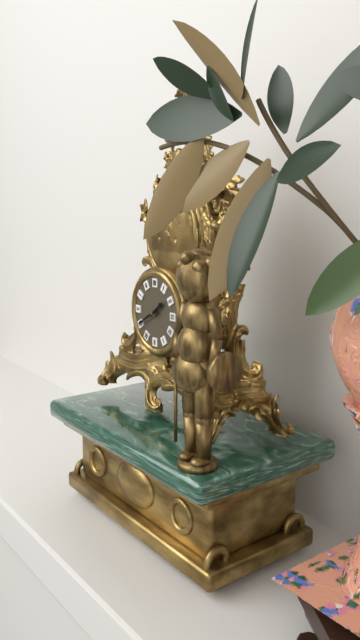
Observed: 1h40
